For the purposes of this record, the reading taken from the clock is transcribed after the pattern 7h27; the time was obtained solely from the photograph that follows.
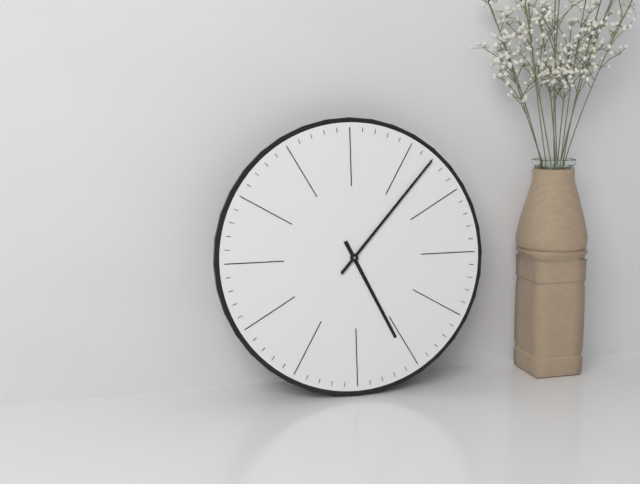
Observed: 5h07
